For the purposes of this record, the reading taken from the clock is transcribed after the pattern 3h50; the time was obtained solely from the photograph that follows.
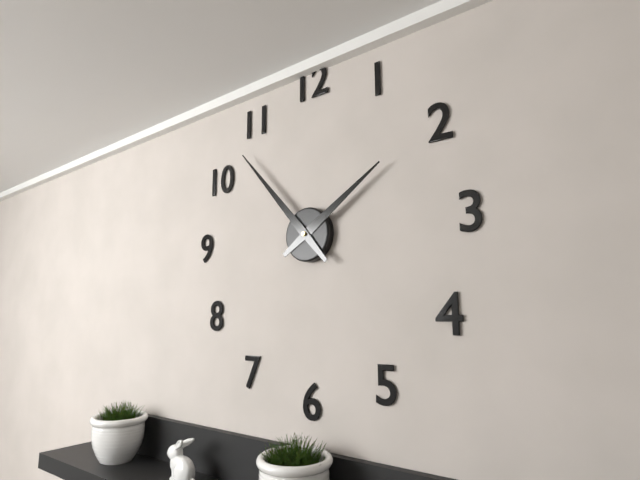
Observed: 1h53
